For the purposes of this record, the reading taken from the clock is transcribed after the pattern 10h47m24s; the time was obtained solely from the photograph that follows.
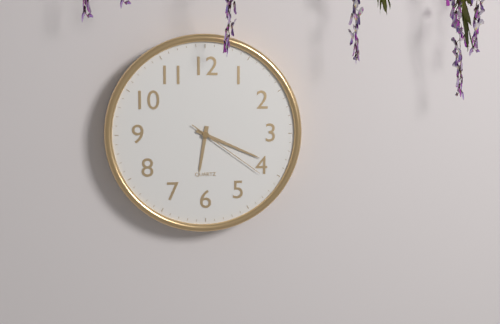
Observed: 6h19m21s
